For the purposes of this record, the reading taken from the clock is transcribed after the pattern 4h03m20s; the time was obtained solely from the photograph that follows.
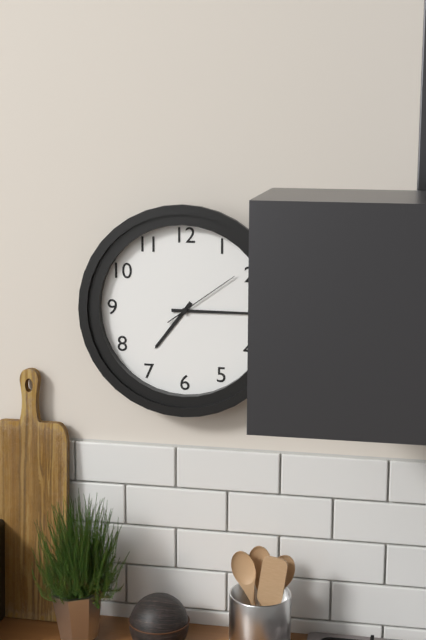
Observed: 7h15m09s
